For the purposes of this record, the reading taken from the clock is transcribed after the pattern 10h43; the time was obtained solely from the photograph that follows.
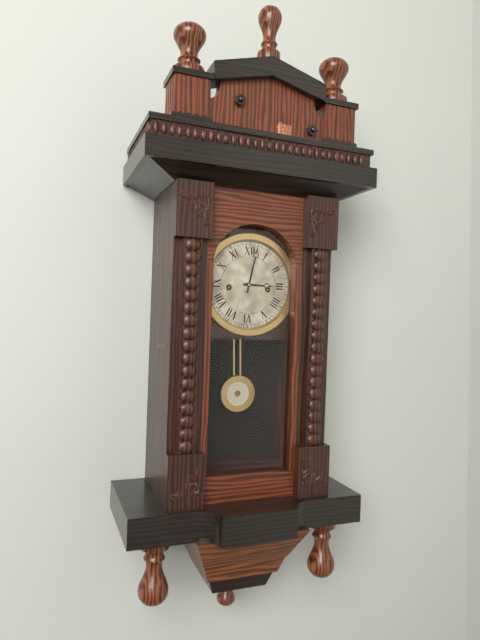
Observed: 3h02
